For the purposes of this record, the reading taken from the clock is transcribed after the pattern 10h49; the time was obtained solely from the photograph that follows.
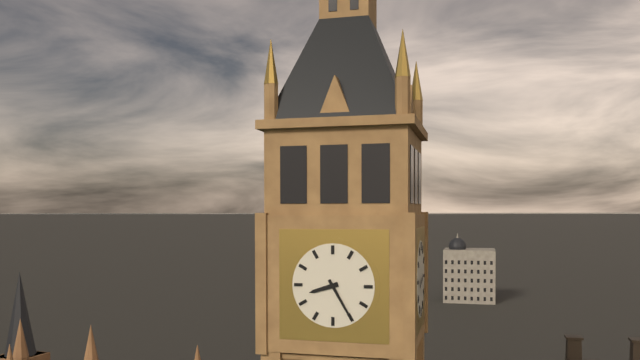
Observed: 8h25
